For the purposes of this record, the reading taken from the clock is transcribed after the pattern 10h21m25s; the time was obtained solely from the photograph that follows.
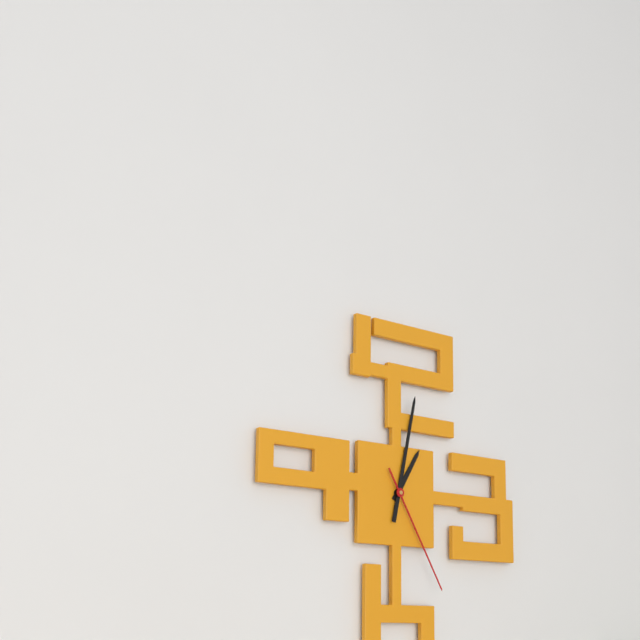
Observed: 1h02m25s
